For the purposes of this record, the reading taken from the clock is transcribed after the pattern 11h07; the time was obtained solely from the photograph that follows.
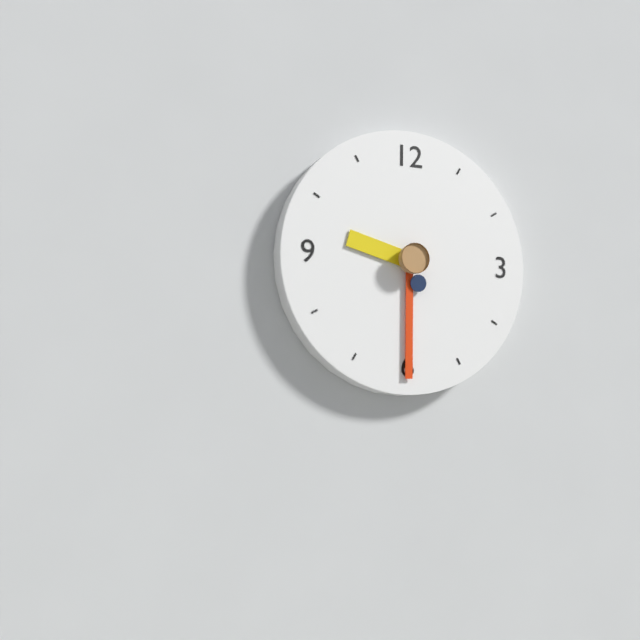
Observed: 9h30
